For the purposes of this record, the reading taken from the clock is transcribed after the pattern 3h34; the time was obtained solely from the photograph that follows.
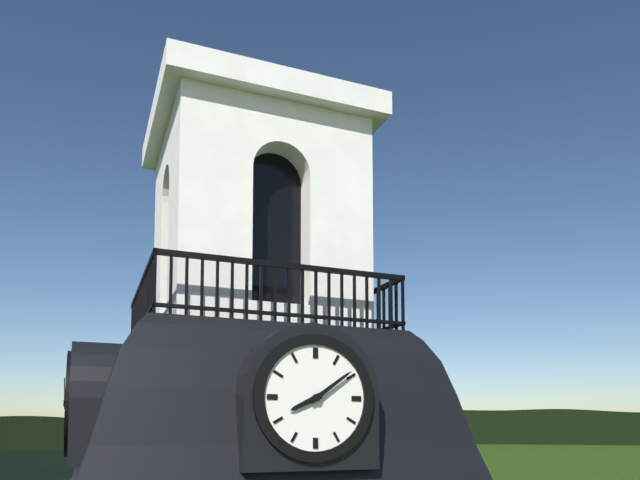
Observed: 8h09
